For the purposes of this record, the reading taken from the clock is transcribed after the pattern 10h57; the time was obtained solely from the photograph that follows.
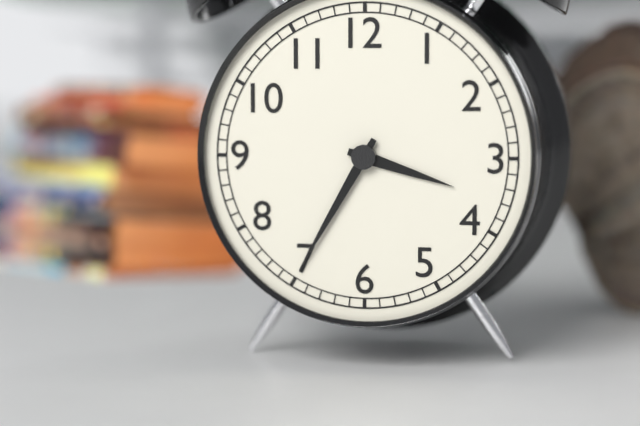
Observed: 3h35
